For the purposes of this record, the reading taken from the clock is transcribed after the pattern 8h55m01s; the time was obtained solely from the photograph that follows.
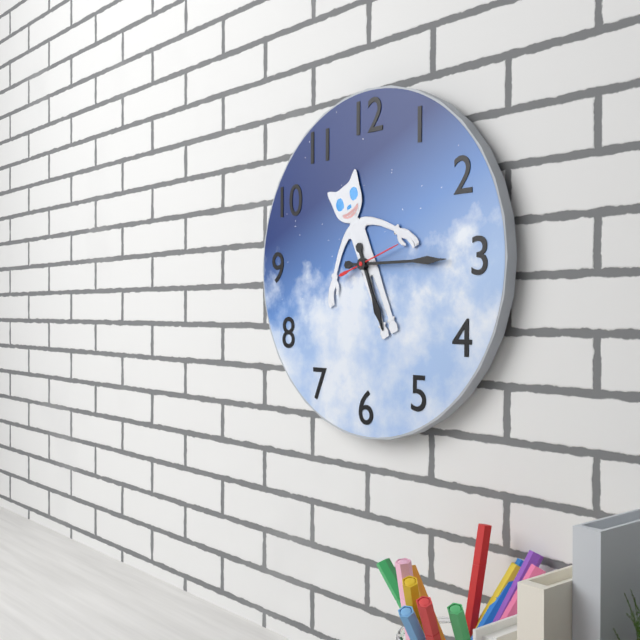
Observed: 5h15m12s
